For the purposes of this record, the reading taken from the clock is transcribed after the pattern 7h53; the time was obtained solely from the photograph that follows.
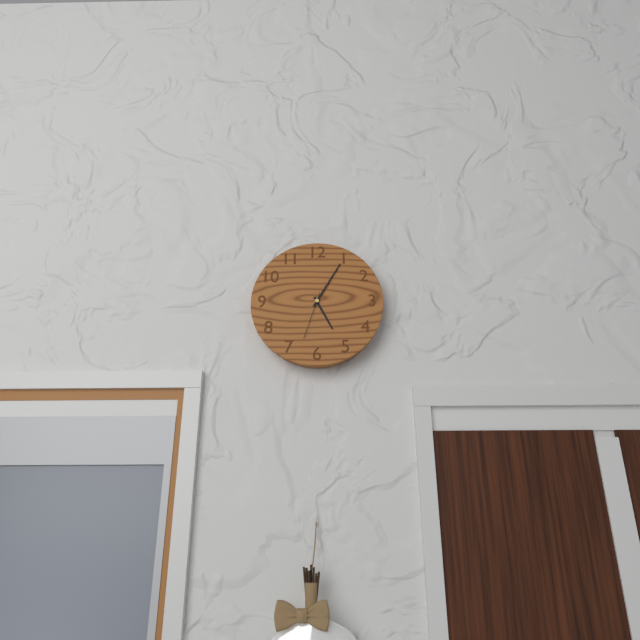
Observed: 5h05
